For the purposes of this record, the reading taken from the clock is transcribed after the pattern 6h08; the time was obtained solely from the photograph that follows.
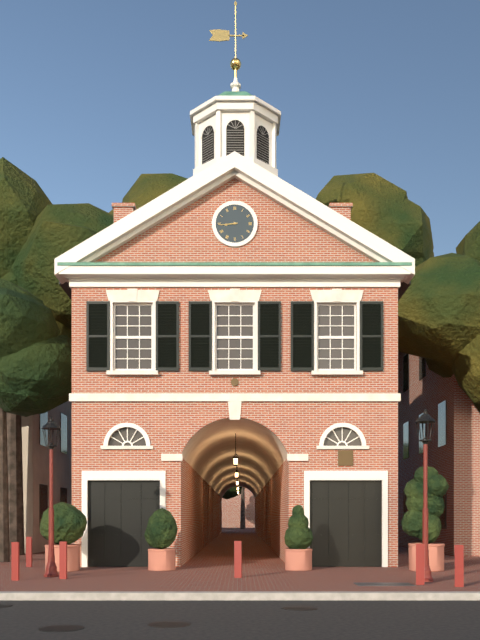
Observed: 8h44
